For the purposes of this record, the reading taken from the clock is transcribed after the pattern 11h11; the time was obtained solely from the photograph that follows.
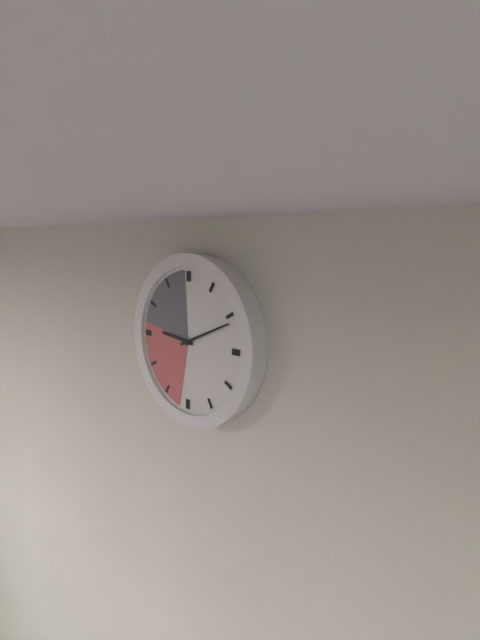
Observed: 9h11
